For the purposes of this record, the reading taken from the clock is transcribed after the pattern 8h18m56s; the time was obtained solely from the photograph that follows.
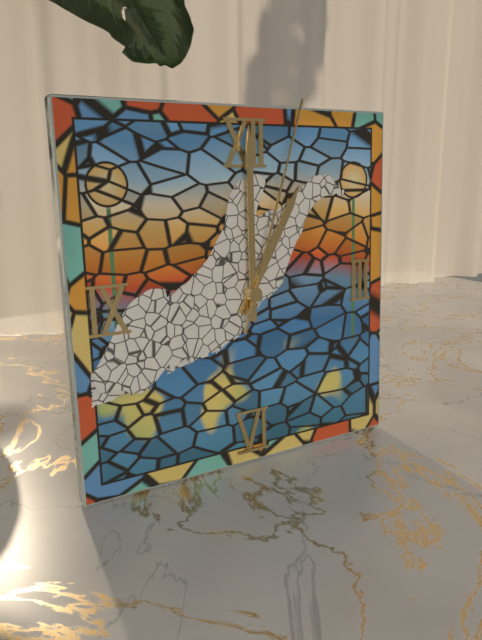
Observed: 1h00m03s
